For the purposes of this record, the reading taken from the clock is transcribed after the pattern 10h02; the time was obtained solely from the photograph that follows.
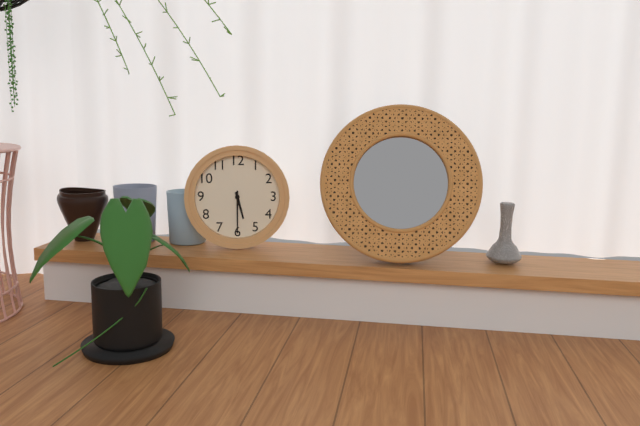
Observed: 5h30
